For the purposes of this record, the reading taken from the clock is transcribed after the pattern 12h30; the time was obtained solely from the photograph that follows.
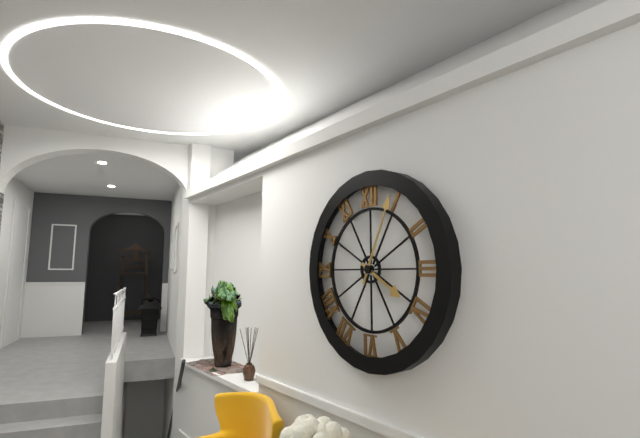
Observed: 4h04
